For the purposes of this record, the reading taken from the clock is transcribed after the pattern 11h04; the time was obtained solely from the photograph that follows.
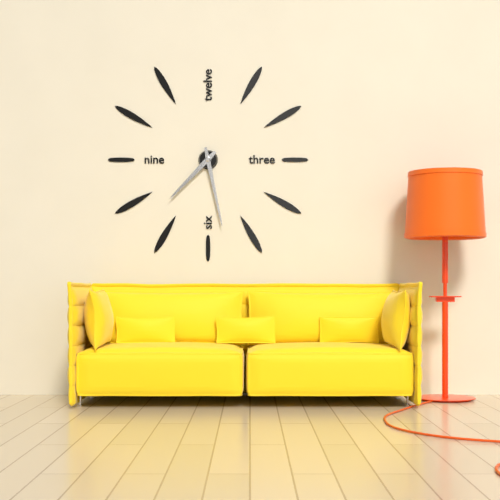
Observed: 7h28
